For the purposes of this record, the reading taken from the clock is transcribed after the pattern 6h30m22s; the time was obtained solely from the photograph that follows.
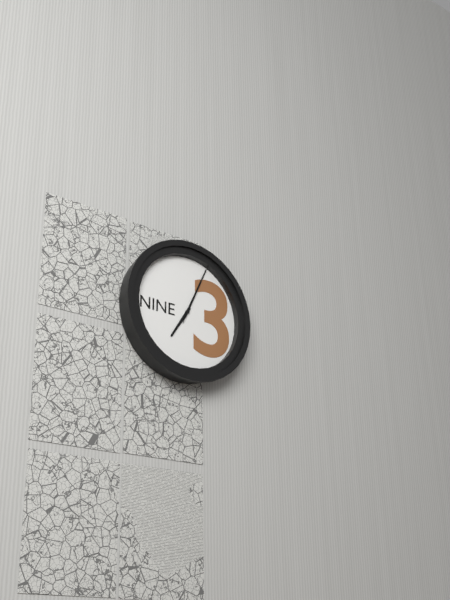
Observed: 7h04m04s
